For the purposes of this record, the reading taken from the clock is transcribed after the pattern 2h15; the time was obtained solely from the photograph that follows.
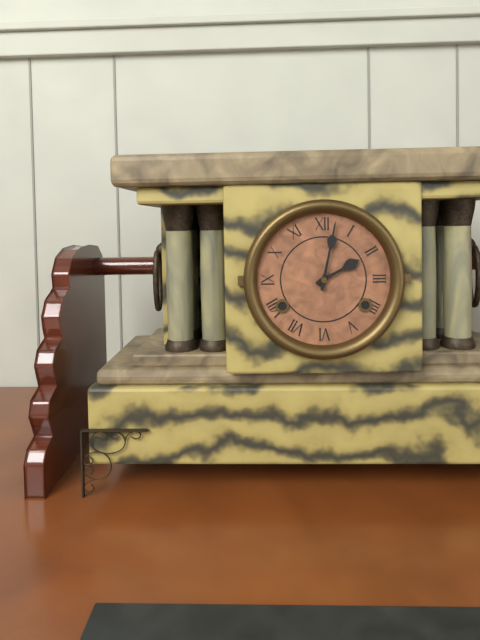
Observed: 2h02
